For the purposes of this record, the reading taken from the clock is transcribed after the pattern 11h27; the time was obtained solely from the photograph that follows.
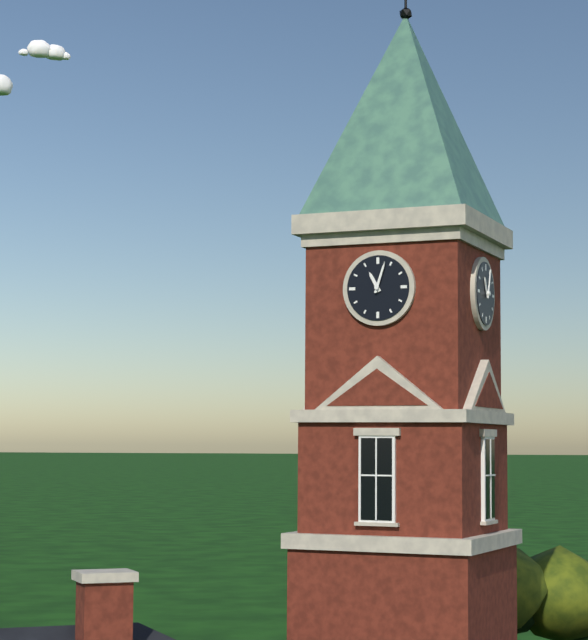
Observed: 11h03
